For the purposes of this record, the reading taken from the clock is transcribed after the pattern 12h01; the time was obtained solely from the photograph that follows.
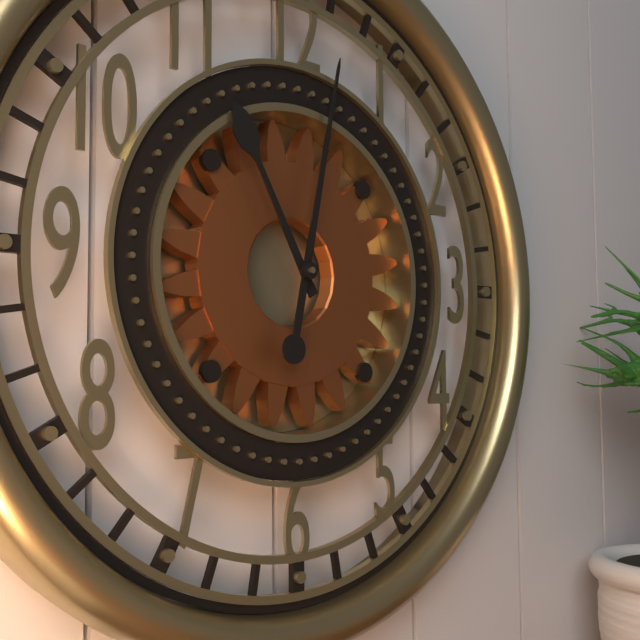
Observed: 11h02
